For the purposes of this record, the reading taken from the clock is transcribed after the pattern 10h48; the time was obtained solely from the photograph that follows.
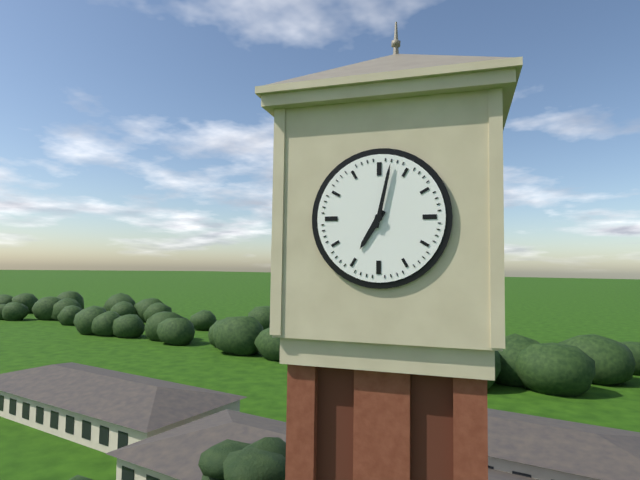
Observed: 7h02
